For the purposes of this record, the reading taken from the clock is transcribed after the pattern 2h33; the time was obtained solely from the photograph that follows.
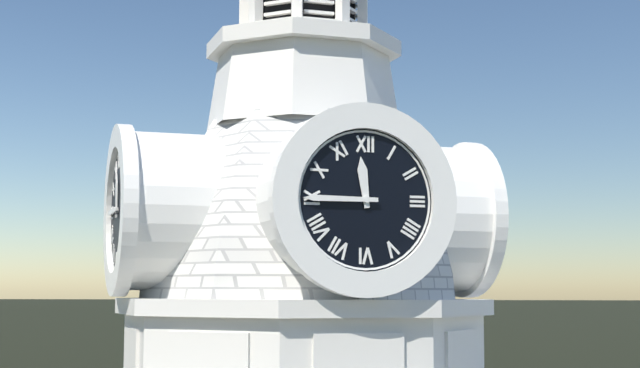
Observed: 11h45
